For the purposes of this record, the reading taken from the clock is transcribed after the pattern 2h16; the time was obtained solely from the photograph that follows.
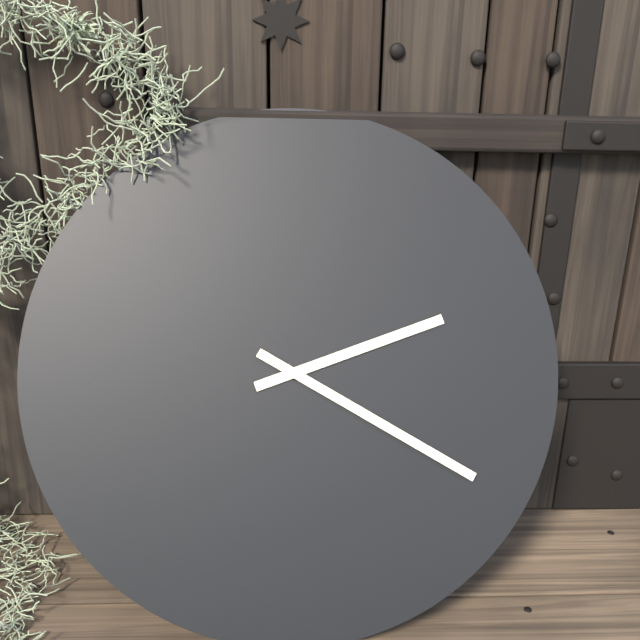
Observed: 2h20
